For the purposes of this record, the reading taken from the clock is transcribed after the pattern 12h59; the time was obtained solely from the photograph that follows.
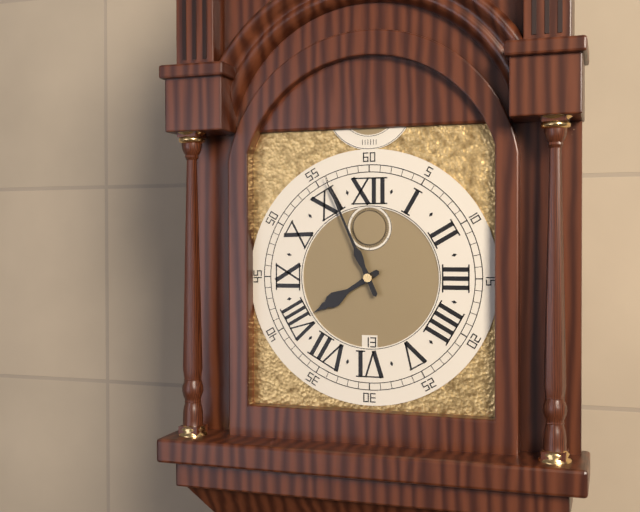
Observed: 7h56
